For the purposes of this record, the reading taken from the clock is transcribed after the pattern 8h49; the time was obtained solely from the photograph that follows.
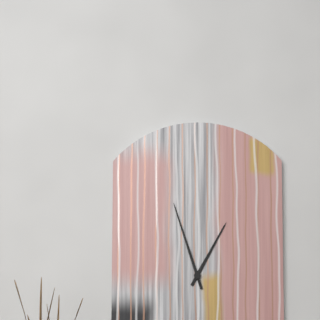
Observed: 12h57
